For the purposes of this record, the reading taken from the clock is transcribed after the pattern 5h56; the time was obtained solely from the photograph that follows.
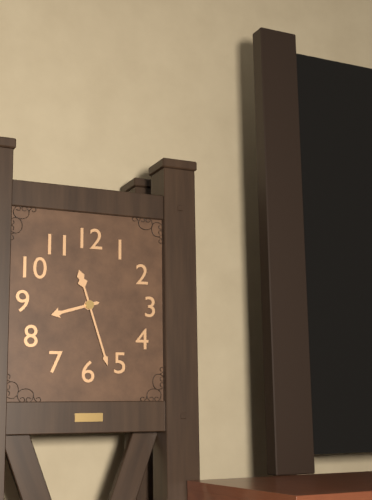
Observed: 8h27
